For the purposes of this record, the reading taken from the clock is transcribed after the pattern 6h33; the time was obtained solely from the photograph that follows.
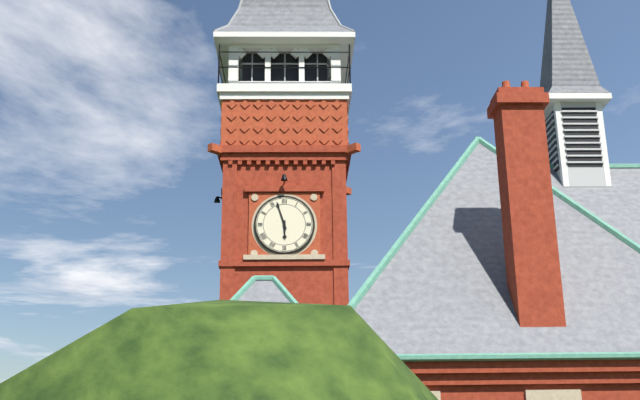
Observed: 5h57
